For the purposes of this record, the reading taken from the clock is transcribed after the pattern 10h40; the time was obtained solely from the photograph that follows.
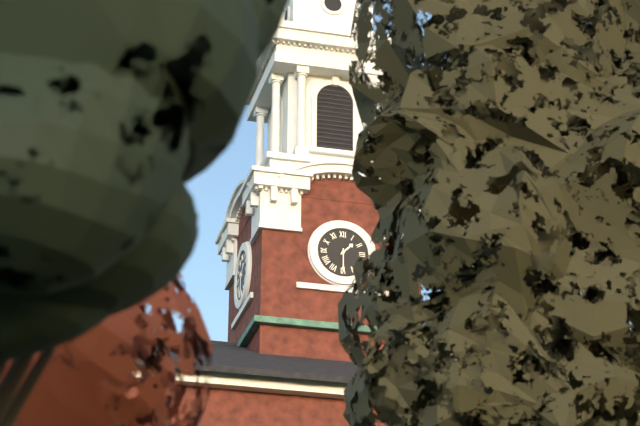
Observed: 1h30
